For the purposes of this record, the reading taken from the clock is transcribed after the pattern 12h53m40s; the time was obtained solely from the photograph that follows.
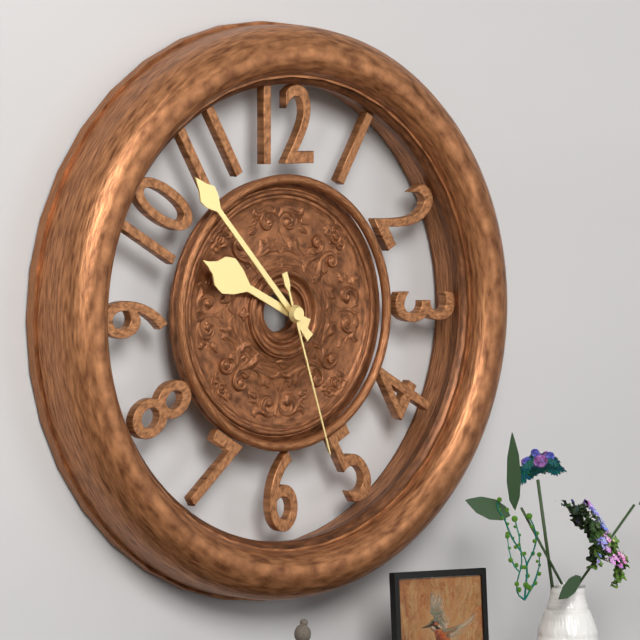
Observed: 9h53m27s
